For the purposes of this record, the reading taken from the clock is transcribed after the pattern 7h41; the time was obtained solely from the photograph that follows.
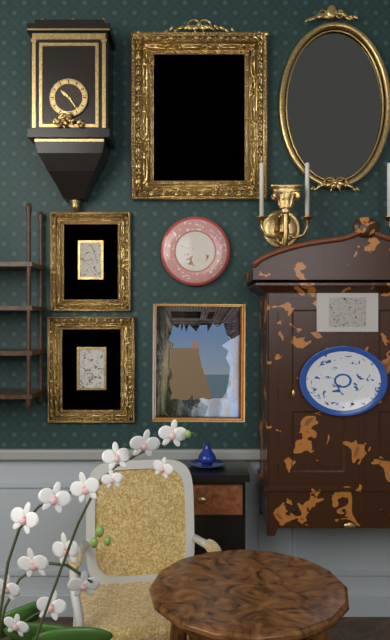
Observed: 10h24
